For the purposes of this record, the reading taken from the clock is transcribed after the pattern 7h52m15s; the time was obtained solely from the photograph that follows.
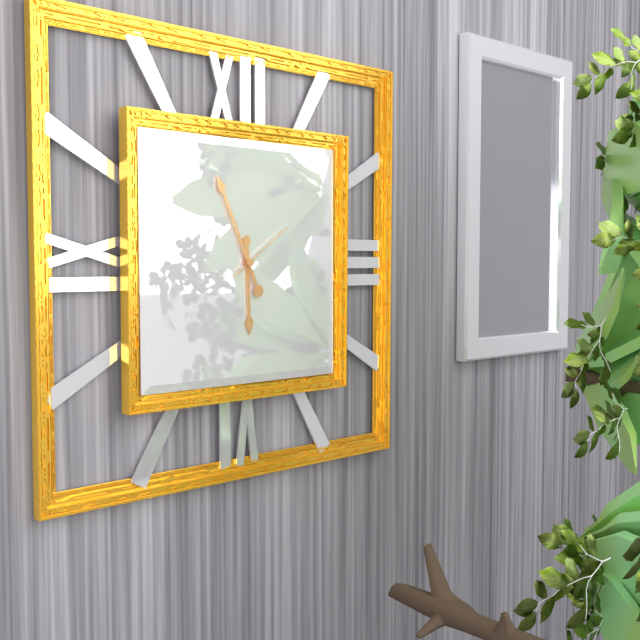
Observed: 5h56m09s
